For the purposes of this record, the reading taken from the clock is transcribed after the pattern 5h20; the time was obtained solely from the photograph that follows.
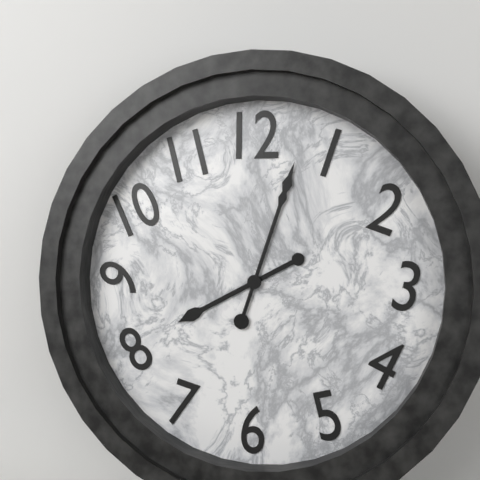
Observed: 8h03
